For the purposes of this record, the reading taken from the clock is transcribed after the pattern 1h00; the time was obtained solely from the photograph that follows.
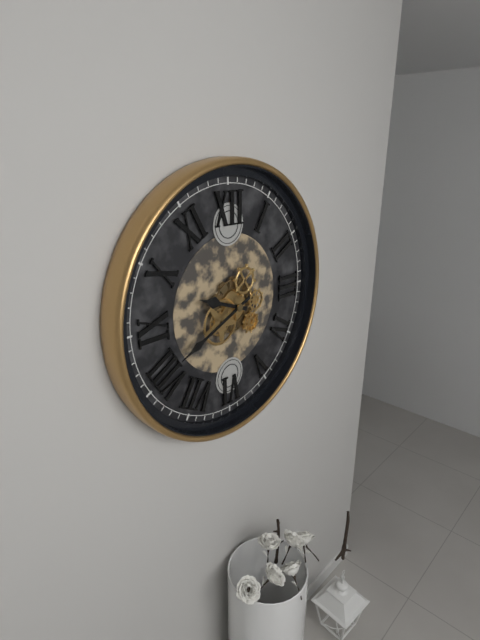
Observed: 9h41
